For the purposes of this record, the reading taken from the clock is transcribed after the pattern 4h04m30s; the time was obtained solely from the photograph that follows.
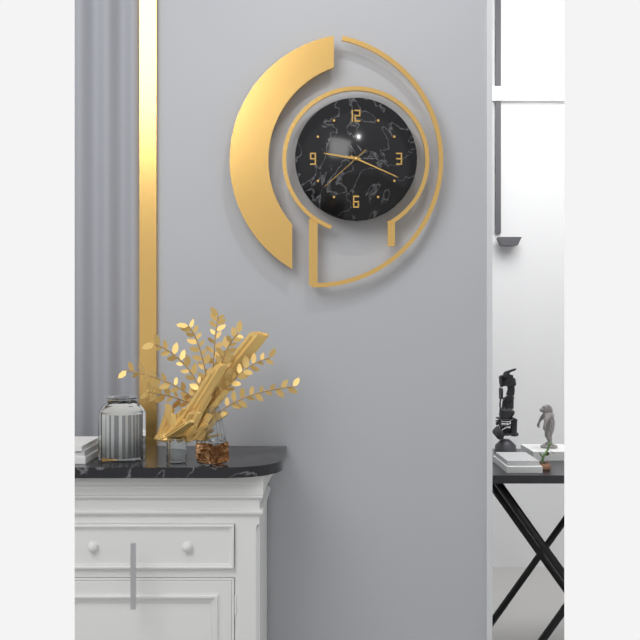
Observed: 9h19m38s
